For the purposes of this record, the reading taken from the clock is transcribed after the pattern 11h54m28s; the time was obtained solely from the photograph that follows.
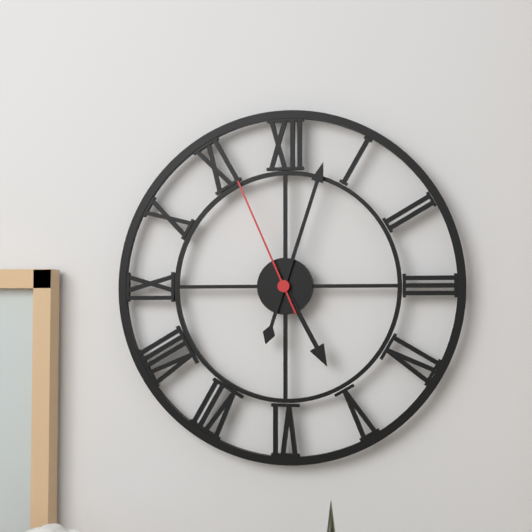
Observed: 5h03m56s
